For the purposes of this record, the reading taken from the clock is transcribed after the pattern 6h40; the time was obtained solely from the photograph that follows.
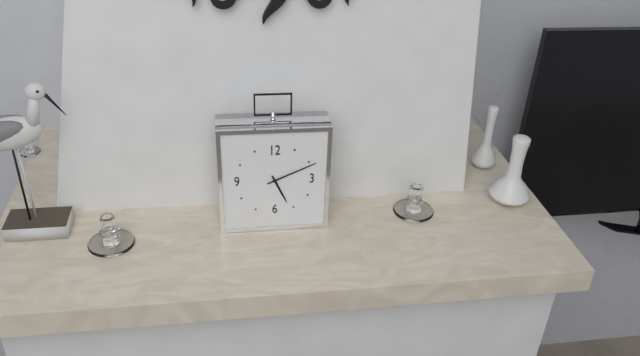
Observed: 5h11
